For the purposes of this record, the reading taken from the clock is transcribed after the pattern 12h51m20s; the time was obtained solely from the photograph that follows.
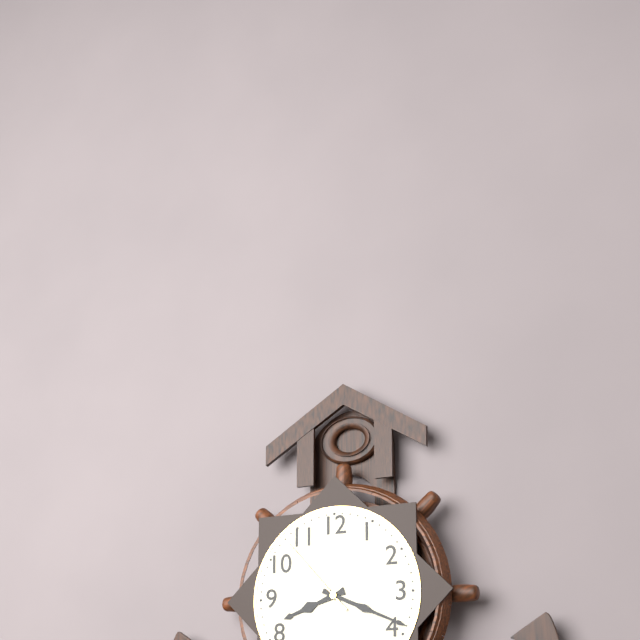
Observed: 8h19m53s
